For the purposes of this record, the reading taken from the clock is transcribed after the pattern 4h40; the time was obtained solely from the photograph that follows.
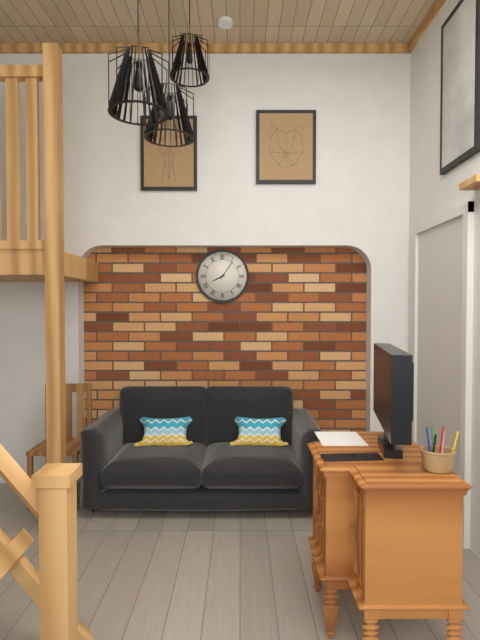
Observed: 8h06
